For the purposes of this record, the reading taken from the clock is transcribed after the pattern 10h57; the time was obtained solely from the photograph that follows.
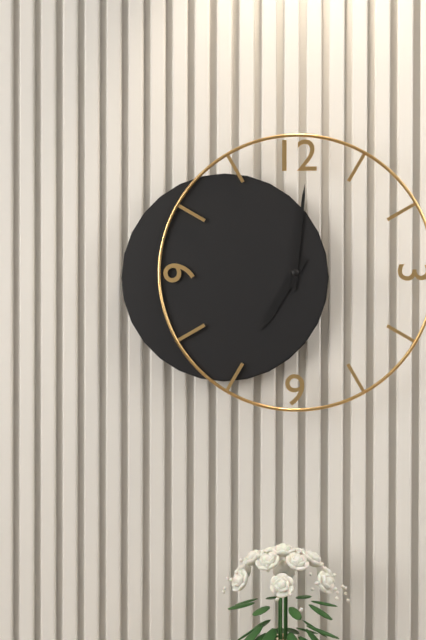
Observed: 7h01
